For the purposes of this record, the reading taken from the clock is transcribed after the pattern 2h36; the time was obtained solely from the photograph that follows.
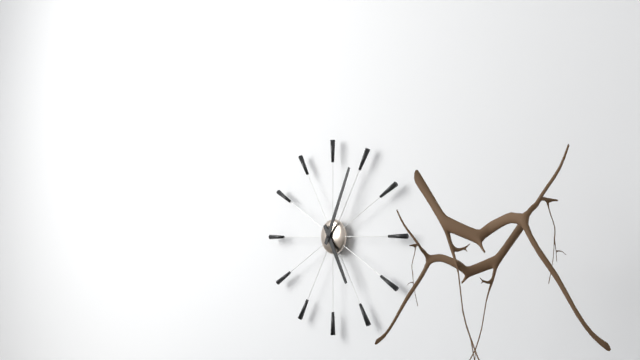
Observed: 5h04
